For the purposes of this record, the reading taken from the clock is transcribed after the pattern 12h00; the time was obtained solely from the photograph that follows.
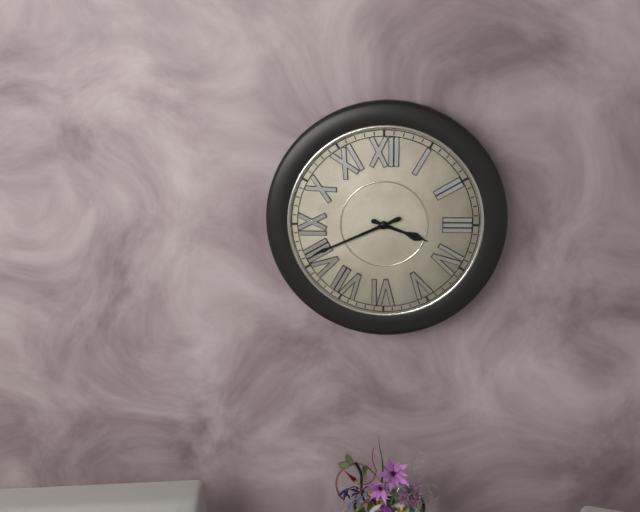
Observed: 3h41
